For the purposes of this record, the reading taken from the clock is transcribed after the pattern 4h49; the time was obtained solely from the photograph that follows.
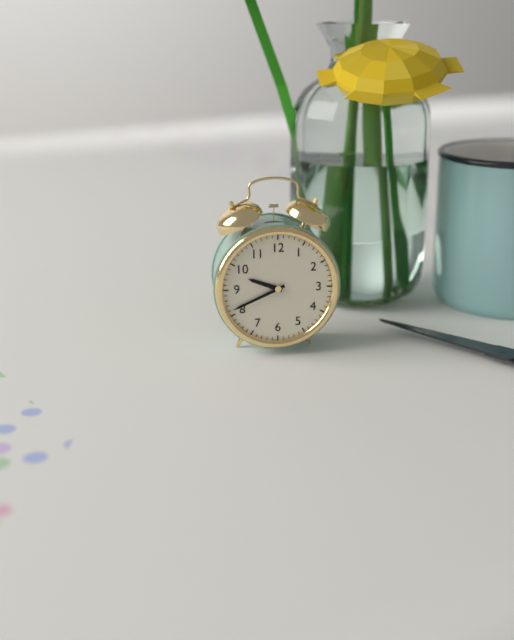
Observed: 9h41
